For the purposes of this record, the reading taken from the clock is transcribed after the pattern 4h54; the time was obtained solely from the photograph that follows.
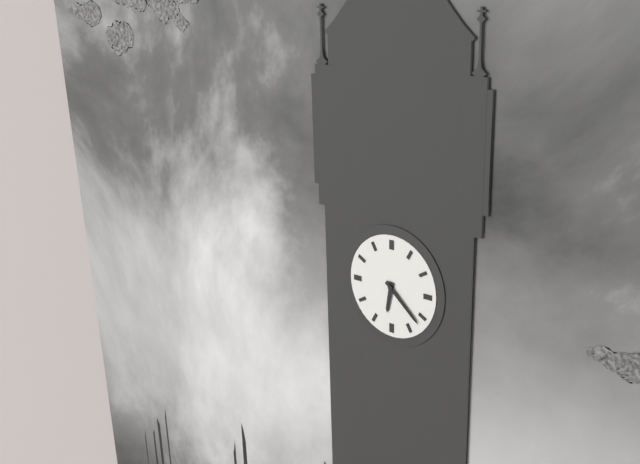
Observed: 6h22
